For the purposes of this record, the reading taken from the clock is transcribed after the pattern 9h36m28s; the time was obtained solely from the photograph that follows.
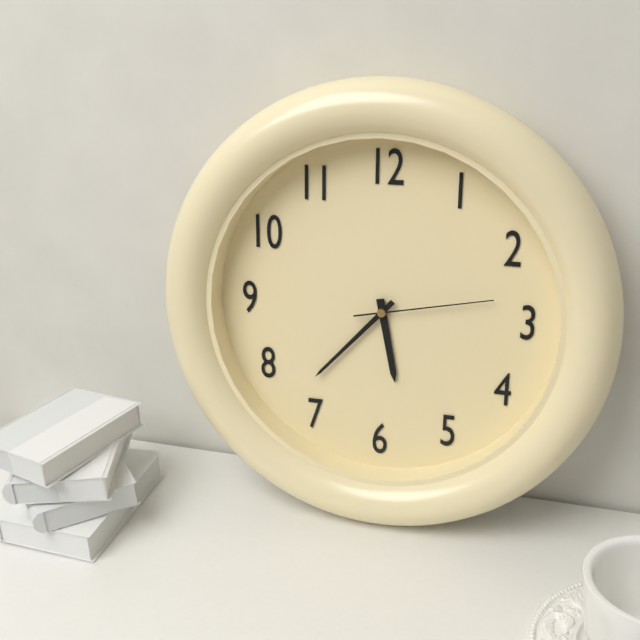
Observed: 5h37m13s
